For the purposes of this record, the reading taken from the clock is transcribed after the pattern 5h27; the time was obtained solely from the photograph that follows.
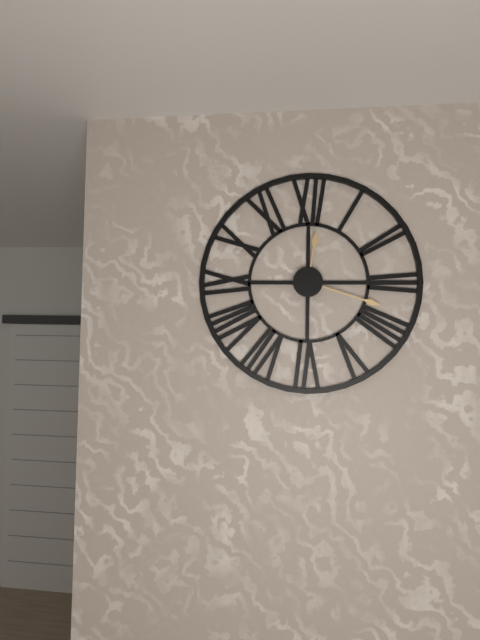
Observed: 12h18
